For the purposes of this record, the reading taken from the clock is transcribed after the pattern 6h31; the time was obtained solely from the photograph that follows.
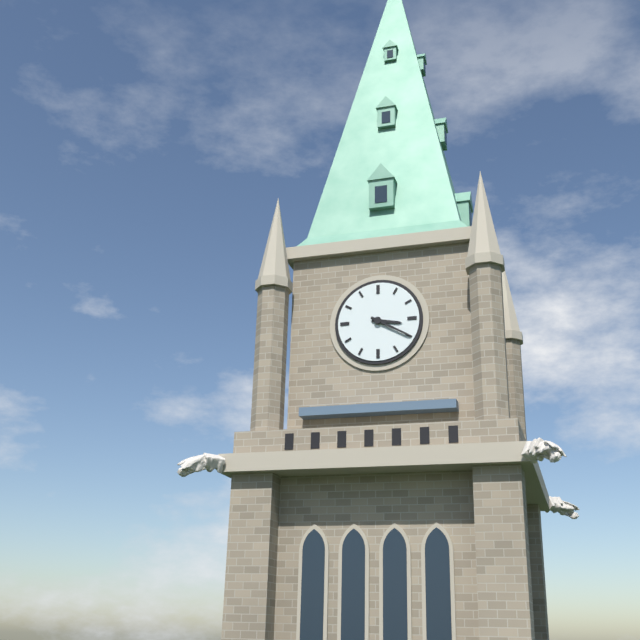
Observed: 3h20
